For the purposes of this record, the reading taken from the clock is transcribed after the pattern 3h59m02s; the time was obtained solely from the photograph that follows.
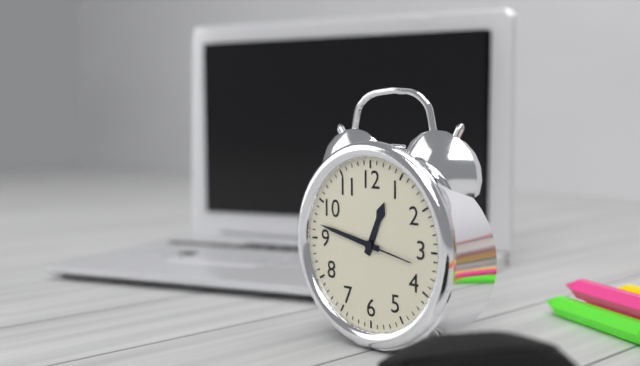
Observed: 12h47m17s
